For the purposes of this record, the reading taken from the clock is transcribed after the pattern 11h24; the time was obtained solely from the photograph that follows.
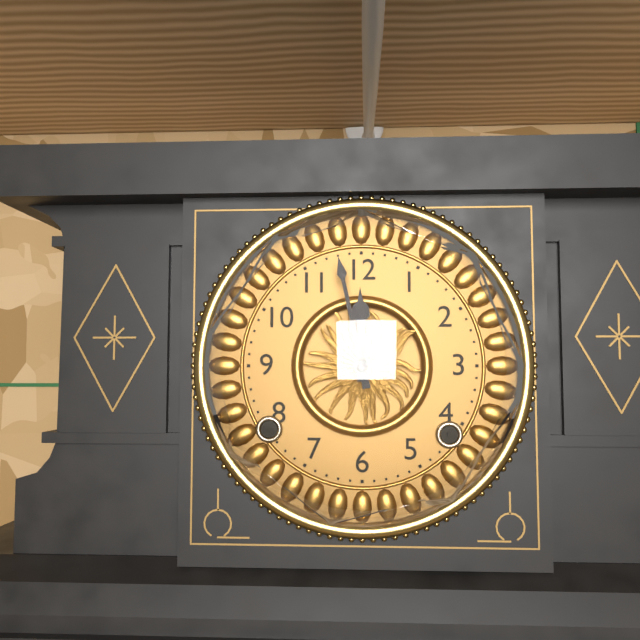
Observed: 11h58
